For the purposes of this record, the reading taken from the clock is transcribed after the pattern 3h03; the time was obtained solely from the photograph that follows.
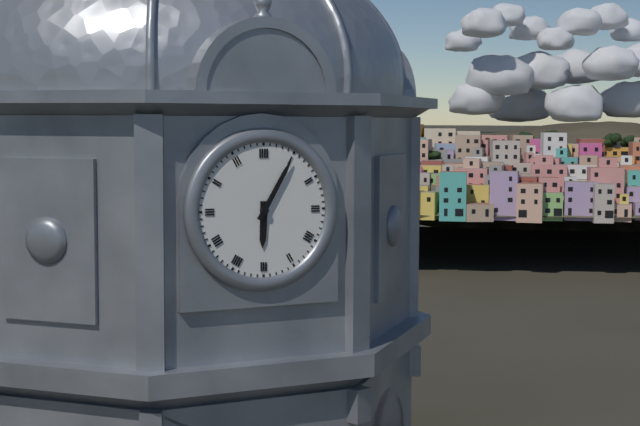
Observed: 6h05
